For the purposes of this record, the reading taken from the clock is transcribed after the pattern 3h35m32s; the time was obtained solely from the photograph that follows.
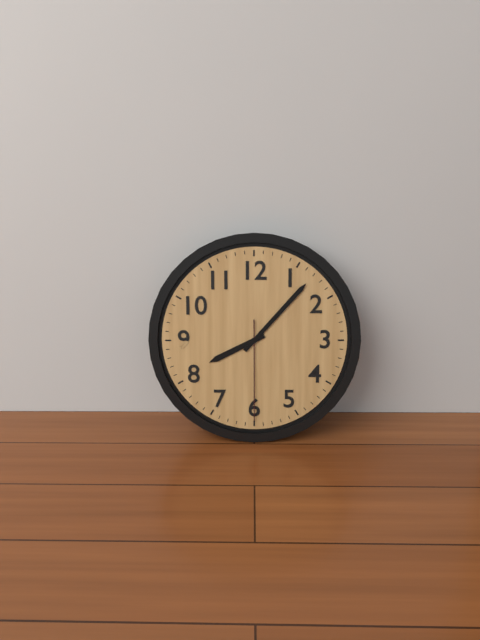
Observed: 8h07m30s
